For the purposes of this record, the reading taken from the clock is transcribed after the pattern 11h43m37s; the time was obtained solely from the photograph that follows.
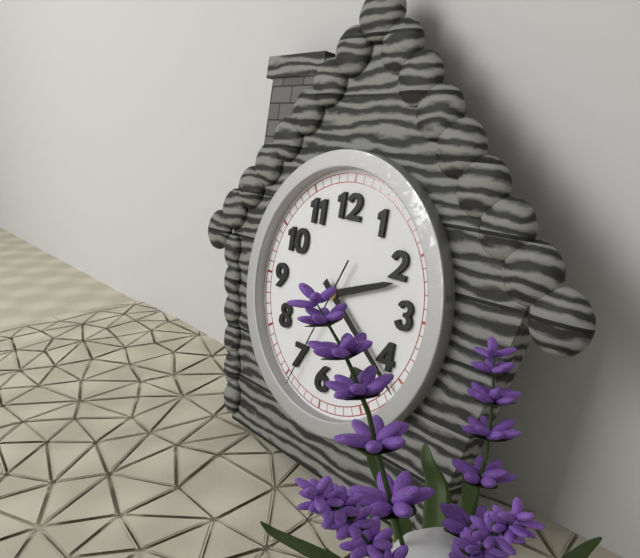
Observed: 2h21m34s
